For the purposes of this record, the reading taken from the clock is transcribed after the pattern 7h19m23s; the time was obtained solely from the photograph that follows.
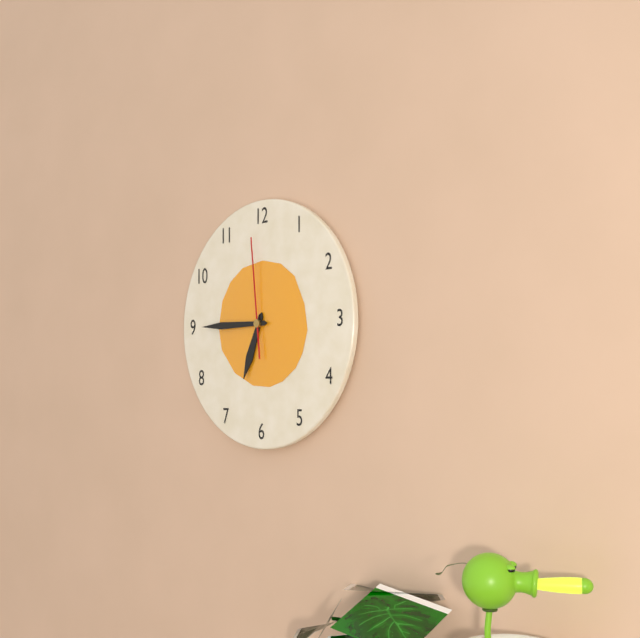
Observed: 6h45m59s
